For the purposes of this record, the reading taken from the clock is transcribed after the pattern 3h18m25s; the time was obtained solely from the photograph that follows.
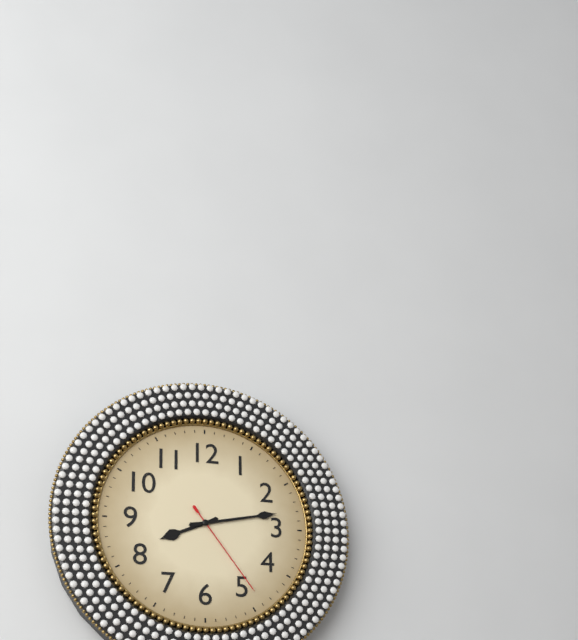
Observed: 8h13m24s
